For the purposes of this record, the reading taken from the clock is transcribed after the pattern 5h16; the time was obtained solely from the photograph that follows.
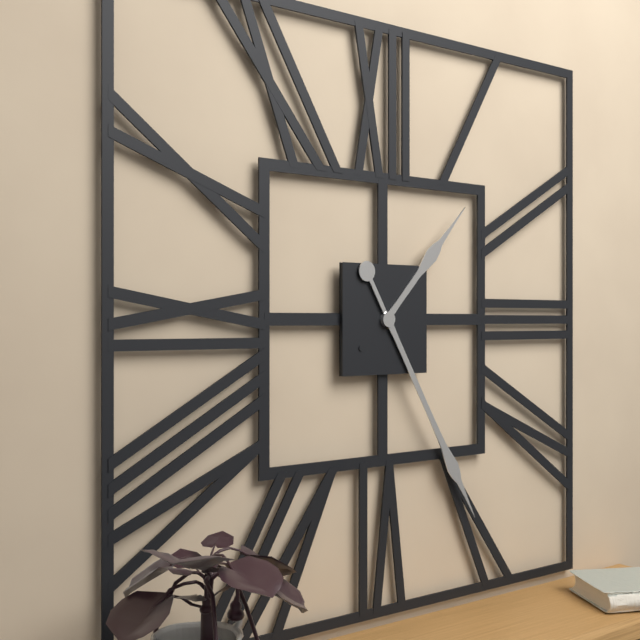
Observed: 1h25
